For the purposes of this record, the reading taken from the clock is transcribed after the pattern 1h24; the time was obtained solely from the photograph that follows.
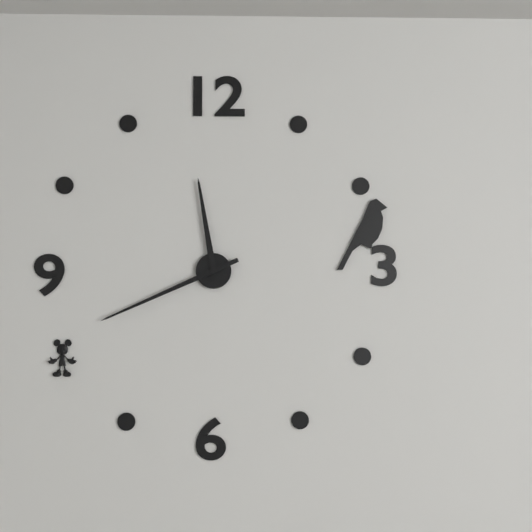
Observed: 11h41
